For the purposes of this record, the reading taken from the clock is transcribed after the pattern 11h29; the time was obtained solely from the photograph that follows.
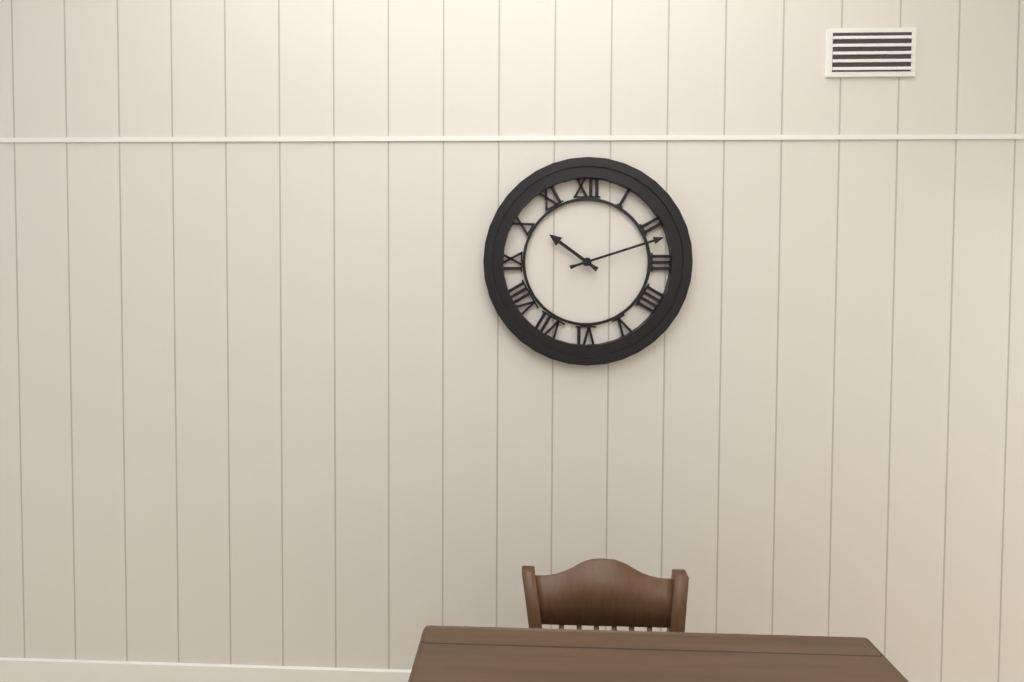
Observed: 10h12
